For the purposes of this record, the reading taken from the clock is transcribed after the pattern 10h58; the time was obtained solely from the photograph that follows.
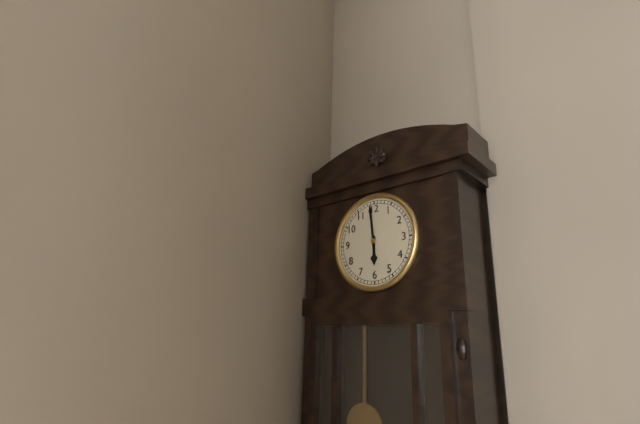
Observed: 5h59
